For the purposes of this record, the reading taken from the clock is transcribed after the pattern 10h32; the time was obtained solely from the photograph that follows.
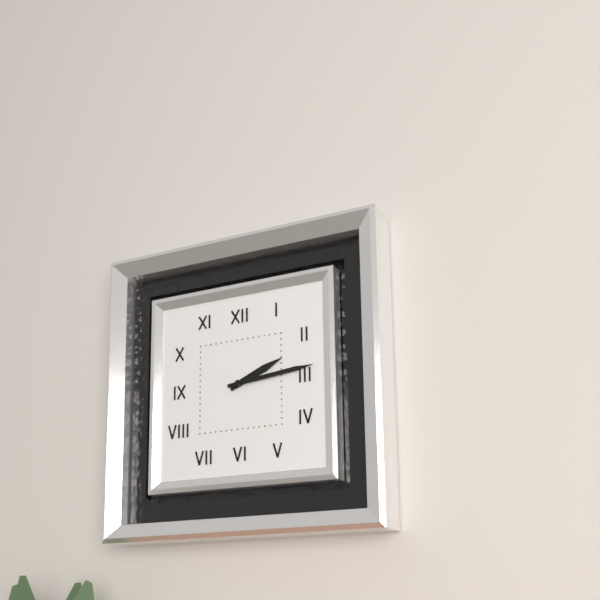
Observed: 2h14
